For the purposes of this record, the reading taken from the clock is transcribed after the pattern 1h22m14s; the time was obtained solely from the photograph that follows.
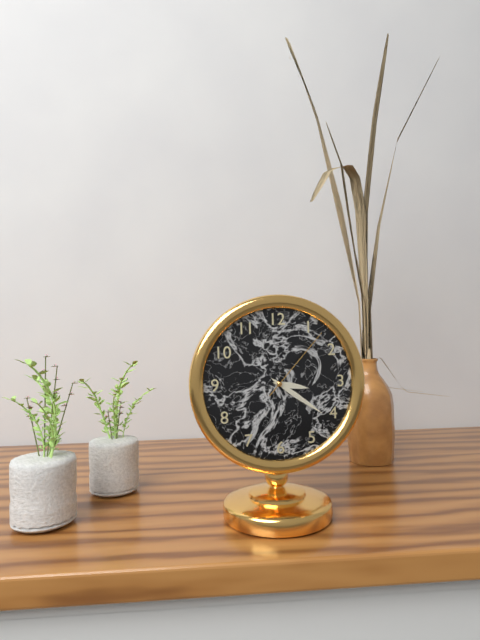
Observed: 3h21m07s
